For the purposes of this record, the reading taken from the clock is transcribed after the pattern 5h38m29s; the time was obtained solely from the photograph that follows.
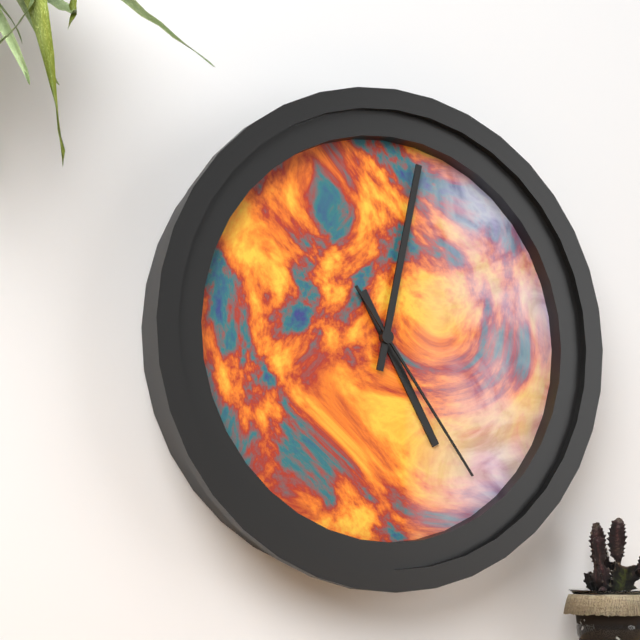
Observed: 5h02m24s
